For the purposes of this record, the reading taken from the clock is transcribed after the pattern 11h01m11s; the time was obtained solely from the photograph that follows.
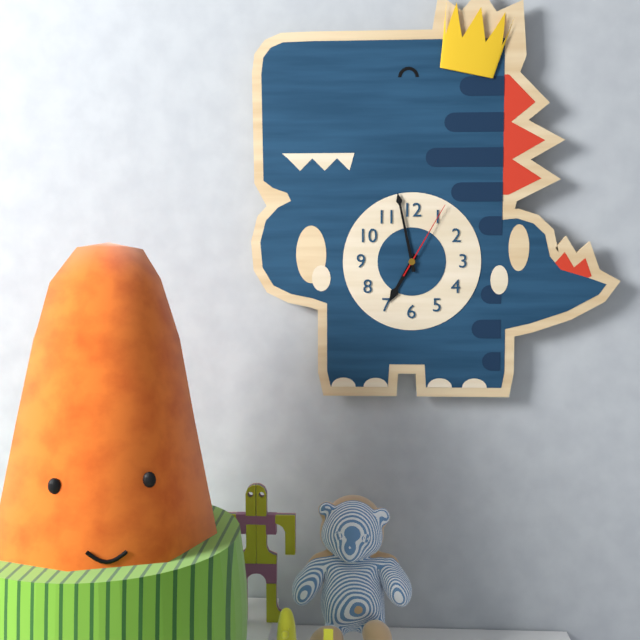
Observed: 6h58m05s
